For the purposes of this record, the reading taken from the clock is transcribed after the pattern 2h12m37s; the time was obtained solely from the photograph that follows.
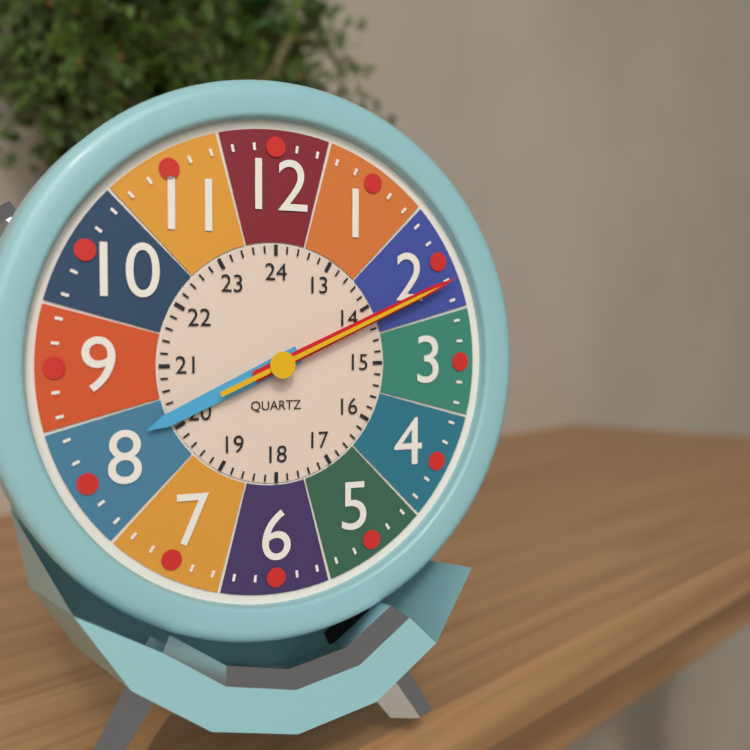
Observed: 8h11m11s
